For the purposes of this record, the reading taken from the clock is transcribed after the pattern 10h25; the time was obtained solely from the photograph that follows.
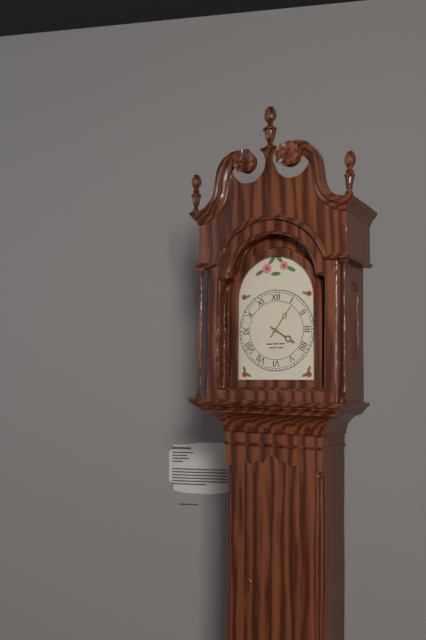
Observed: 4h06
